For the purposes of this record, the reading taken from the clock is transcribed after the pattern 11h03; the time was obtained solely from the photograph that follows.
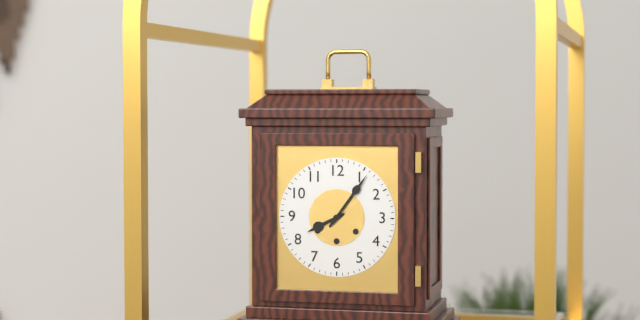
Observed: 8h06
